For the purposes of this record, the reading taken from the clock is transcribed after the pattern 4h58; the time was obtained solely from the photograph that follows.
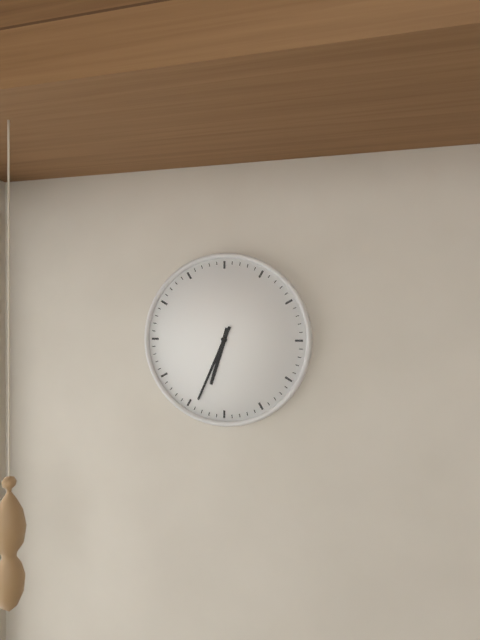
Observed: 6h34
